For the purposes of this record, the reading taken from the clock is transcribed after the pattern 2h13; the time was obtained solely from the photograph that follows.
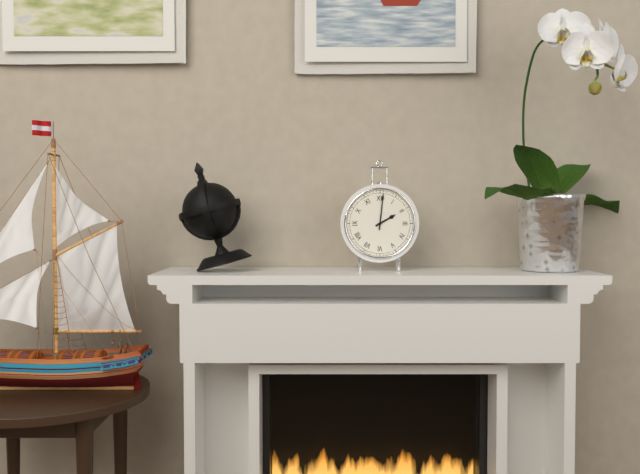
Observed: 2h01
